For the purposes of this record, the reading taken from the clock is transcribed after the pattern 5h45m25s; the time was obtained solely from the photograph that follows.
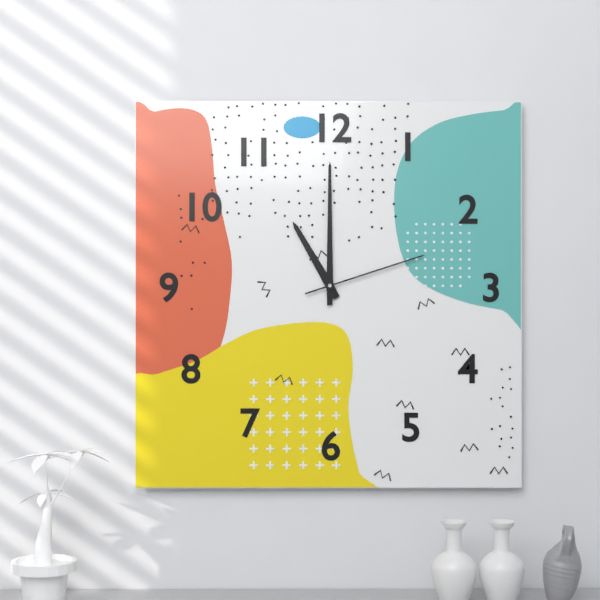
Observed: 11h00m12s
